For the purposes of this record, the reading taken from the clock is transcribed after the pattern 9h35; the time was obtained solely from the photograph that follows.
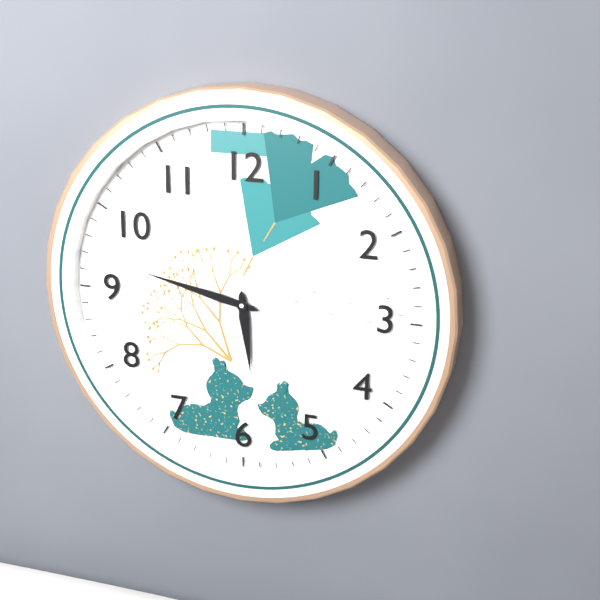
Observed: 5h47
